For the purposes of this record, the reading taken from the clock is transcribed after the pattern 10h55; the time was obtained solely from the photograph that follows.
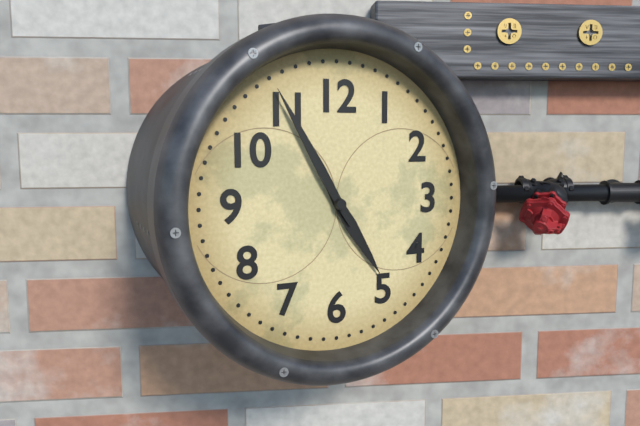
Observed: 4h55
